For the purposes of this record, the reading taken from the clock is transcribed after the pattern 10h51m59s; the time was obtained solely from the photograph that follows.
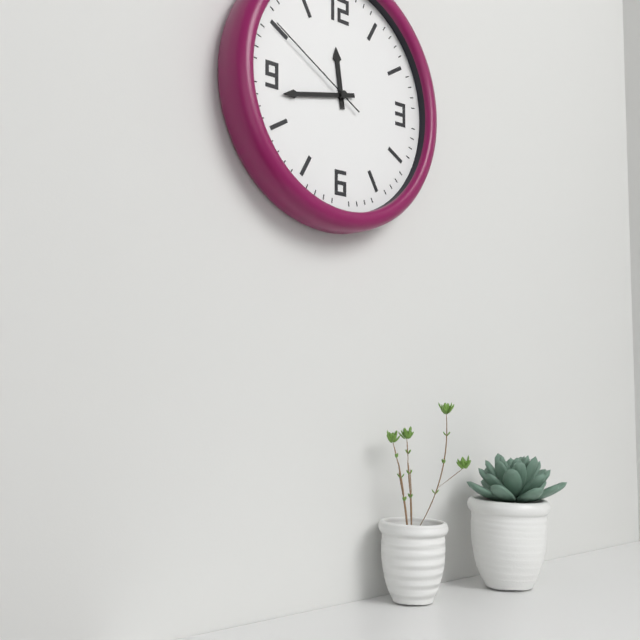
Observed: 11h43m50s
